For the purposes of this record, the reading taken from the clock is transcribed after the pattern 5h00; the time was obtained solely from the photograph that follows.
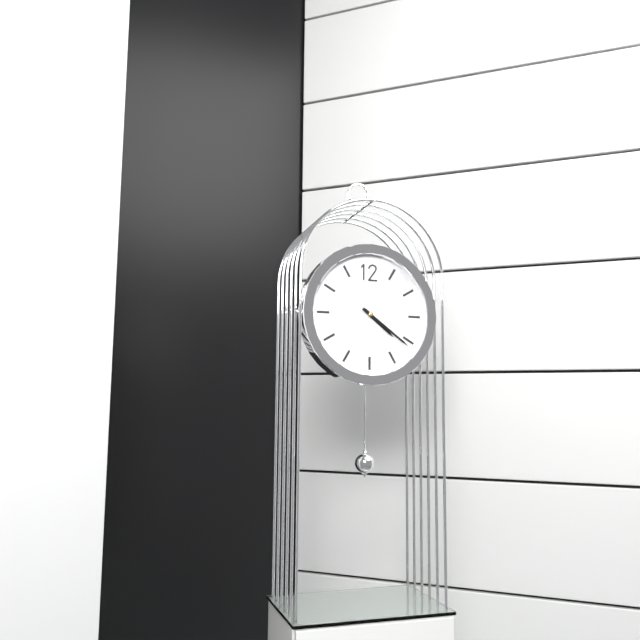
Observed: 4h21
